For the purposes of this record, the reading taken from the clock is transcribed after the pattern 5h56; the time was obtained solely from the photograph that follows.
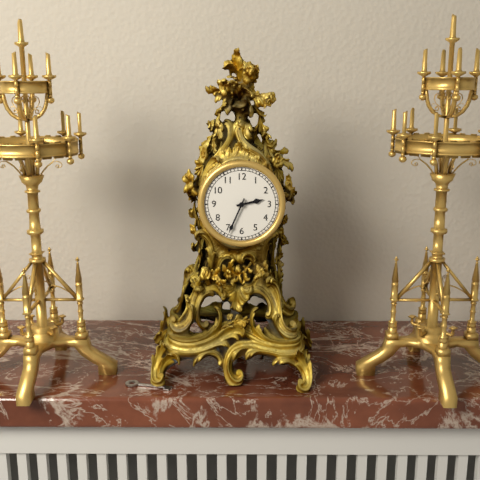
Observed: 2h34
